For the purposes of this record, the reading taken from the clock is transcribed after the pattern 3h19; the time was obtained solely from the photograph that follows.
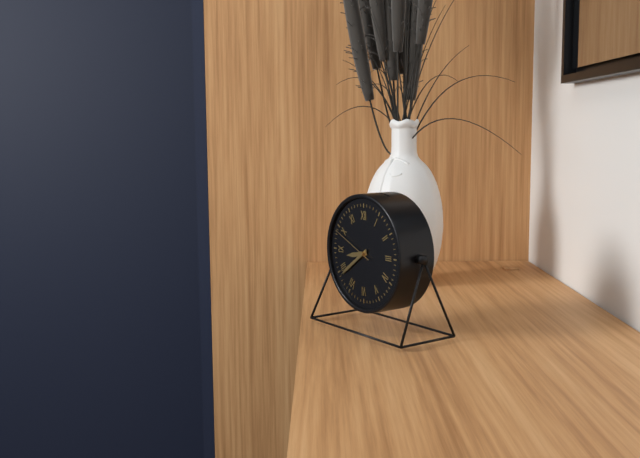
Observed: 8h39
